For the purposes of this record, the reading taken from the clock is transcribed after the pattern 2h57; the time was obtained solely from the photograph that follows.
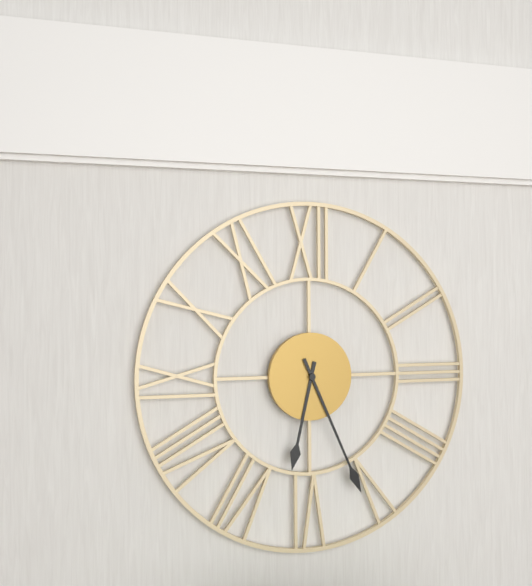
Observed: 6h26
